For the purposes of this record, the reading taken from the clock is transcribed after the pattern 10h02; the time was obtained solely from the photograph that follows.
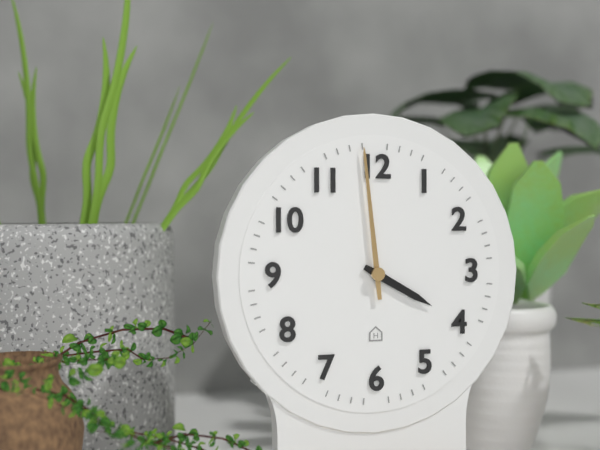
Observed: 3h59
